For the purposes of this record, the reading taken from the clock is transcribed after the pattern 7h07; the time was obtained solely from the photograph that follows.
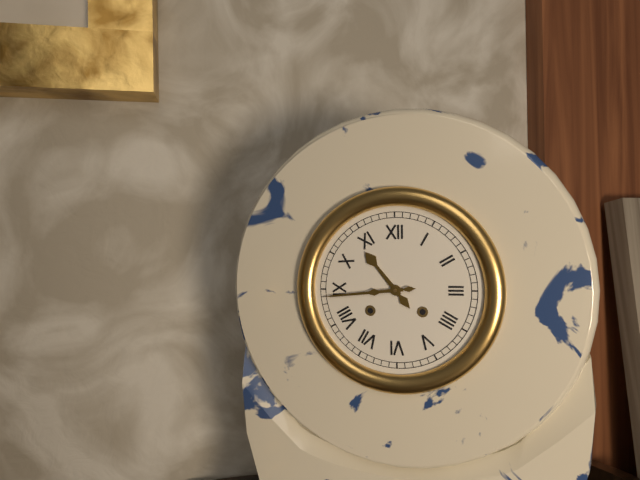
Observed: 10h44
